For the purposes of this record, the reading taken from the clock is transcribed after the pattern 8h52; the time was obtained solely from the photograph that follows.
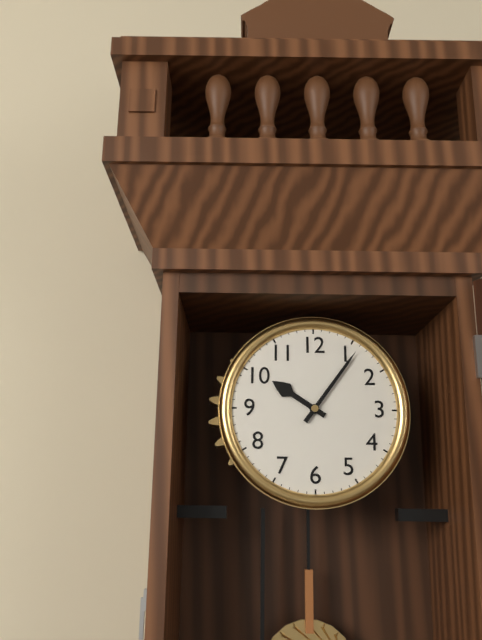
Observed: 10h06
